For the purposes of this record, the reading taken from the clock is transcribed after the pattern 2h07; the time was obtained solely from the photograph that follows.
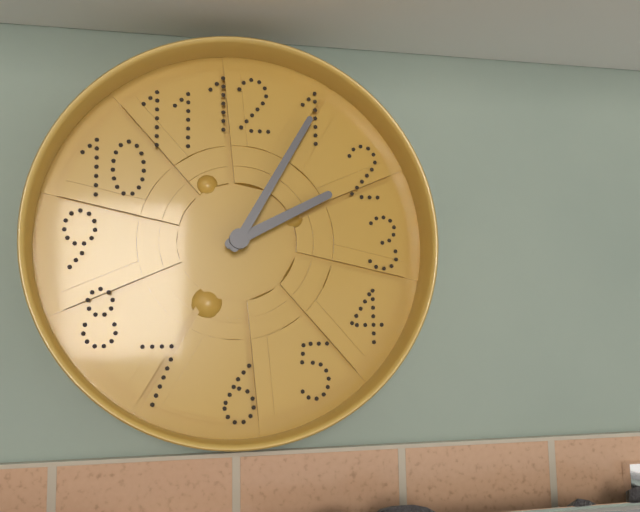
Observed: 2h05
